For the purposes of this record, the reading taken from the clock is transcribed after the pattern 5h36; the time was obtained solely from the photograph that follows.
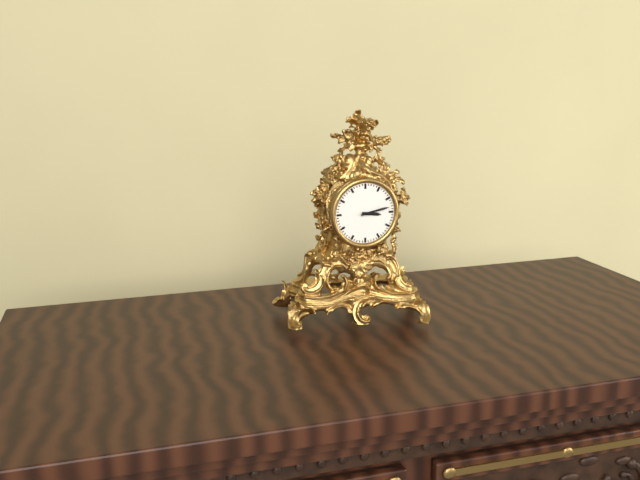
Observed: 3h13
